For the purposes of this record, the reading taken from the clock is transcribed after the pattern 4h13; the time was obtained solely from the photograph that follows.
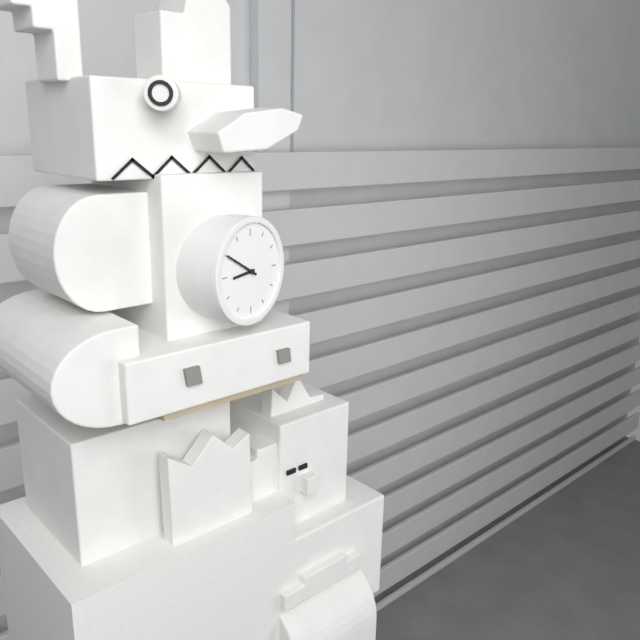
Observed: 8h50
